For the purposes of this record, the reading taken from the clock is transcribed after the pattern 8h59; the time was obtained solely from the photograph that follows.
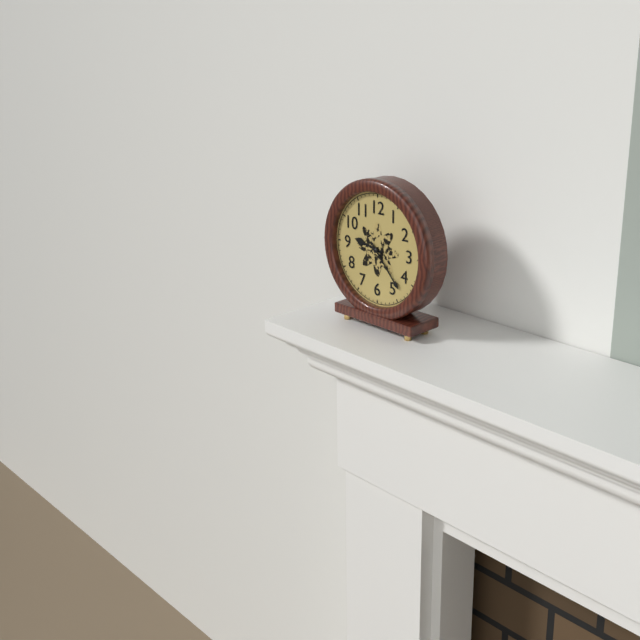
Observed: 9h23
